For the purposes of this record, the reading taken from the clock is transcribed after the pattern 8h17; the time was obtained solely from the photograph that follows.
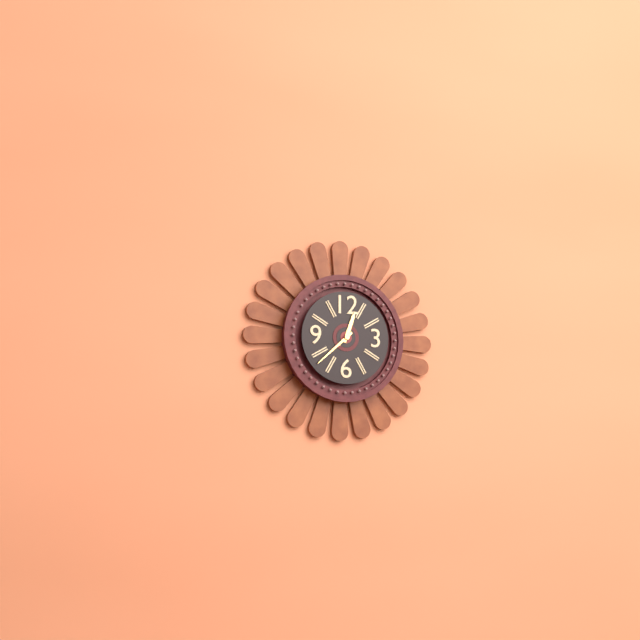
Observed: 12h38
